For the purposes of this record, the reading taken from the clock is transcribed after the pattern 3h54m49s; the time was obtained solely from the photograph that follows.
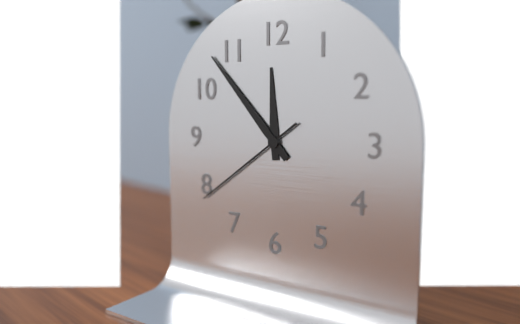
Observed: 11h53m39s
